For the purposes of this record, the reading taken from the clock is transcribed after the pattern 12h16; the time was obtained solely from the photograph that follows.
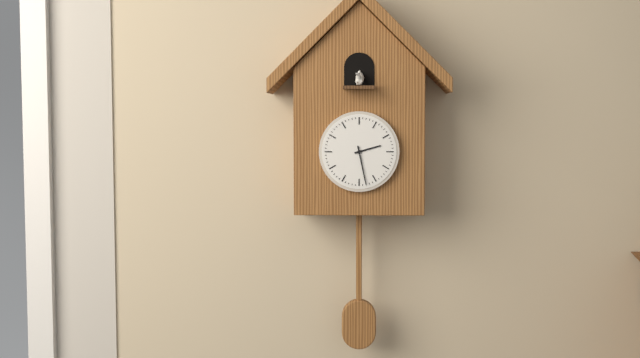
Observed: 2h28
